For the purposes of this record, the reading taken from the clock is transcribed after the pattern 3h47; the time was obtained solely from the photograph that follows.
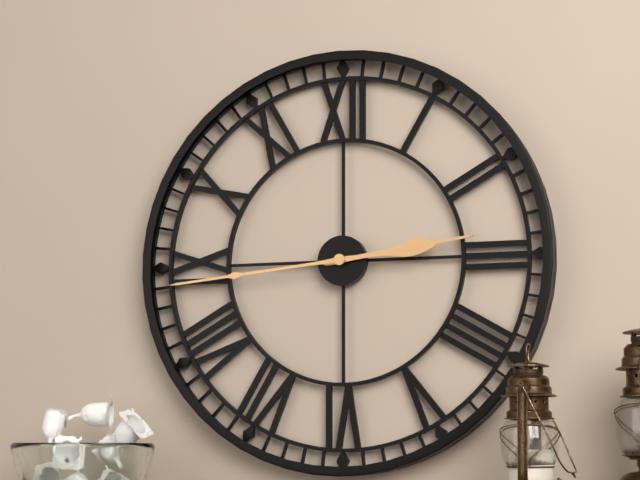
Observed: 2h44
